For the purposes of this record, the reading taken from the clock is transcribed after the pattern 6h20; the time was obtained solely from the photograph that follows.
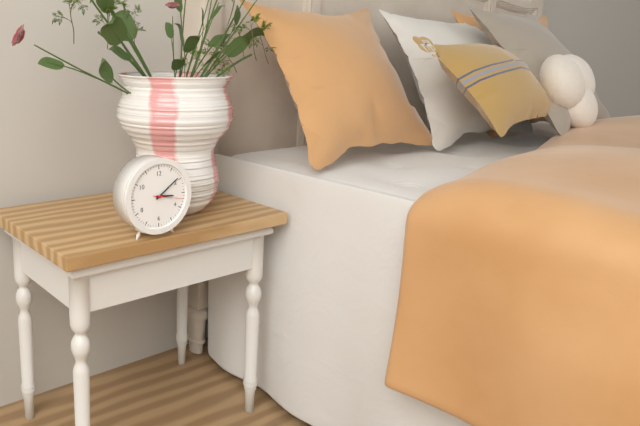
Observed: 3h09
